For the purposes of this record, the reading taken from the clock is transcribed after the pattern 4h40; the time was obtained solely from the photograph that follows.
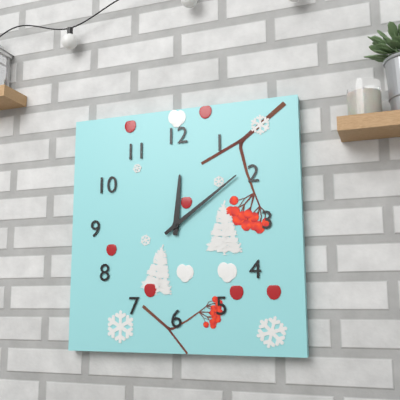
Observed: 12h09
